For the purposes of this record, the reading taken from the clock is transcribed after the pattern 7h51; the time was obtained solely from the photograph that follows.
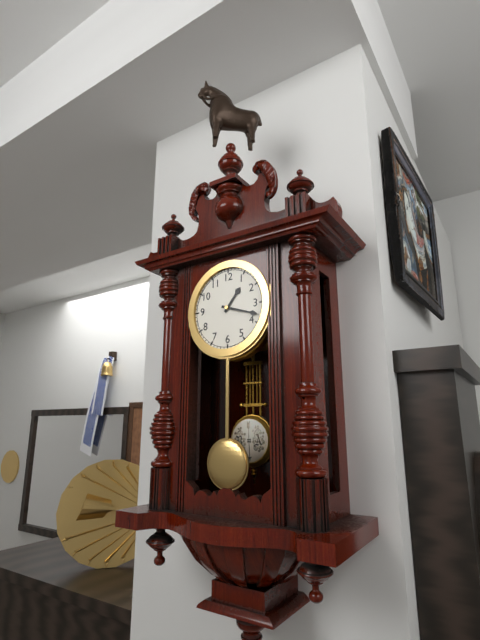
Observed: 1h18
